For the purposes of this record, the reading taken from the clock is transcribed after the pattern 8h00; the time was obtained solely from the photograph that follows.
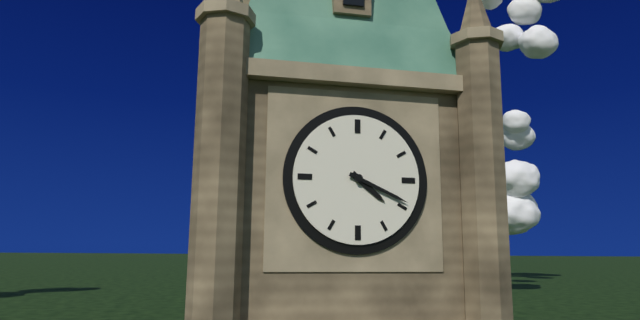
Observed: 4h19
